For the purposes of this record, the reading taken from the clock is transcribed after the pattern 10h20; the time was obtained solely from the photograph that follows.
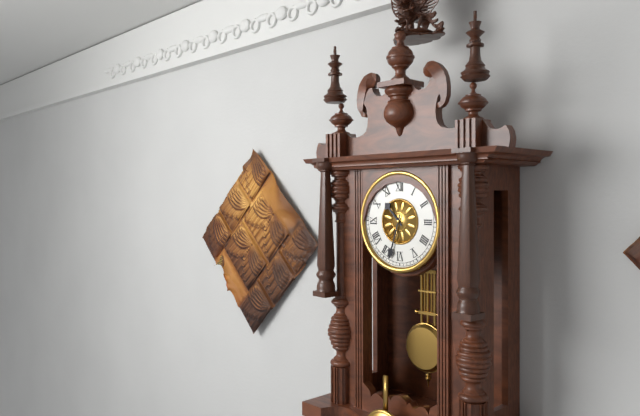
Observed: 10h33
